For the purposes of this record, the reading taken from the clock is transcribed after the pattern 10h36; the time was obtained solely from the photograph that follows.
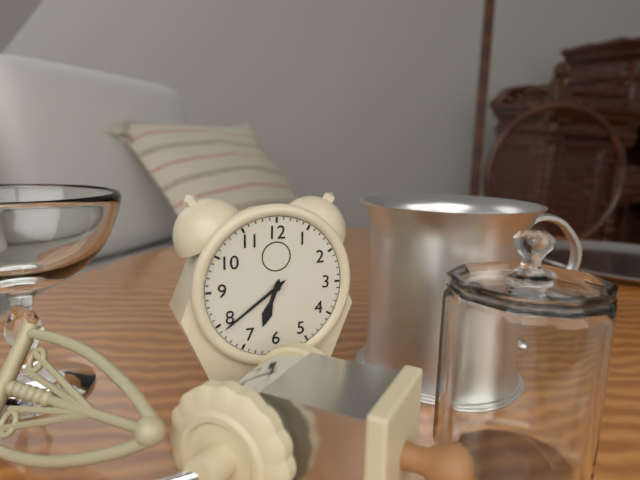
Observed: 6h39
